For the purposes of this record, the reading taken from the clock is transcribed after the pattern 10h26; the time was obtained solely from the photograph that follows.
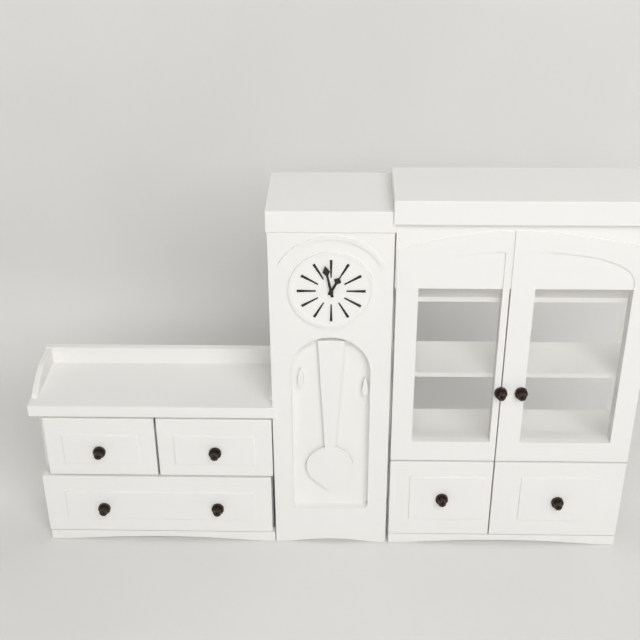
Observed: 12h58
